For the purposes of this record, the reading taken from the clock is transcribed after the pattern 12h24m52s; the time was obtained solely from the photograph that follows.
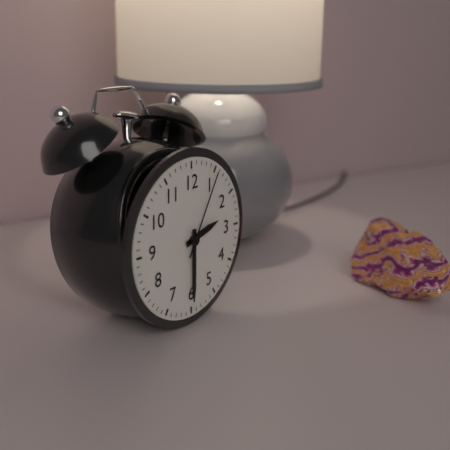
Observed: 2h30m05s
